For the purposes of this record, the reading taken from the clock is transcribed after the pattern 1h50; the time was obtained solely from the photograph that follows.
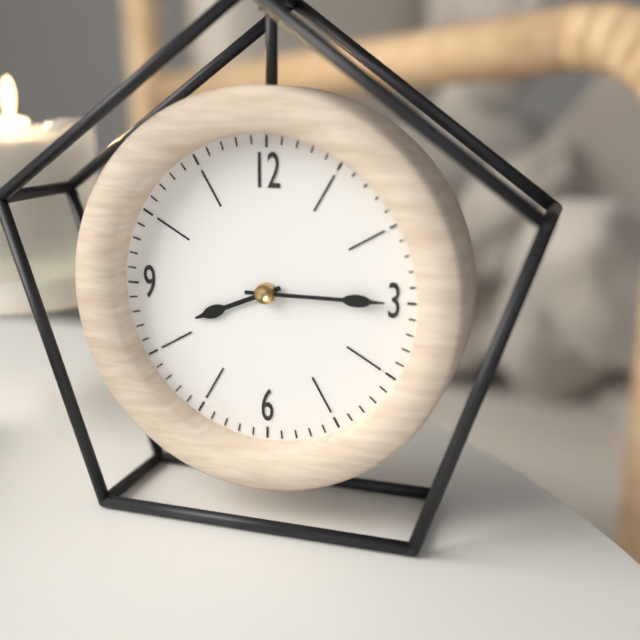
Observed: 8h15
